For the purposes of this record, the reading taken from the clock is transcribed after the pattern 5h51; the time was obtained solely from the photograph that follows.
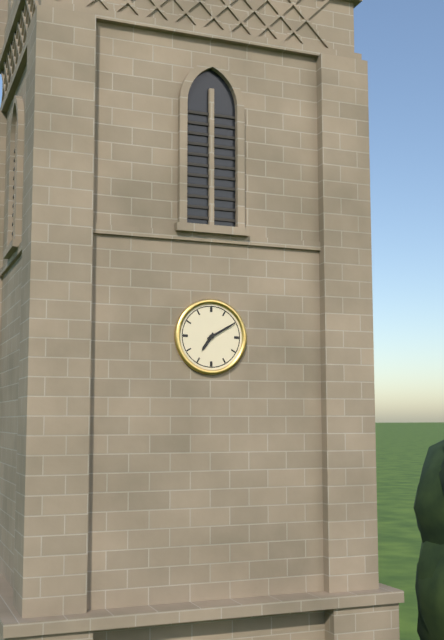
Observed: 7h10
